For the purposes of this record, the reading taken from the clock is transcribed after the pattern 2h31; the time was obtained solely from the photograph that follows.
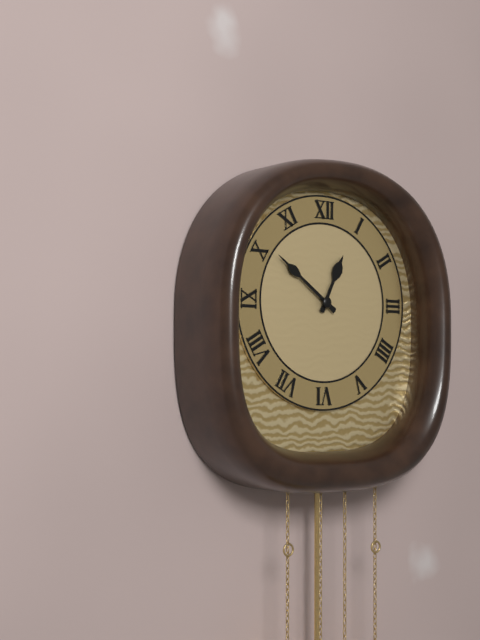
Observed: 12h51
